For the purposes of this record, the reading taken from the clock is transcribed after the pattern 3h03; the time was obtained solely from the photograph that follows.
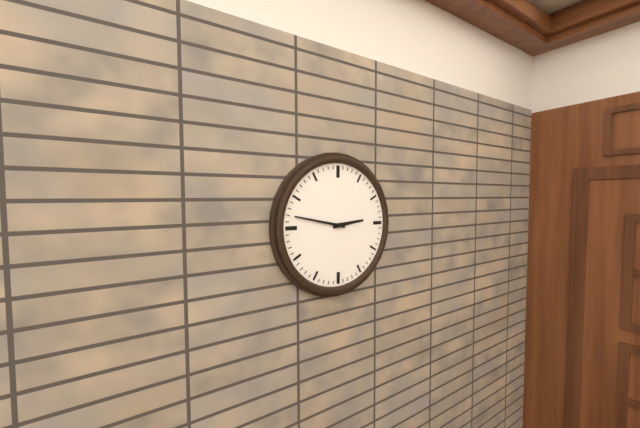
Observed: 2h47
